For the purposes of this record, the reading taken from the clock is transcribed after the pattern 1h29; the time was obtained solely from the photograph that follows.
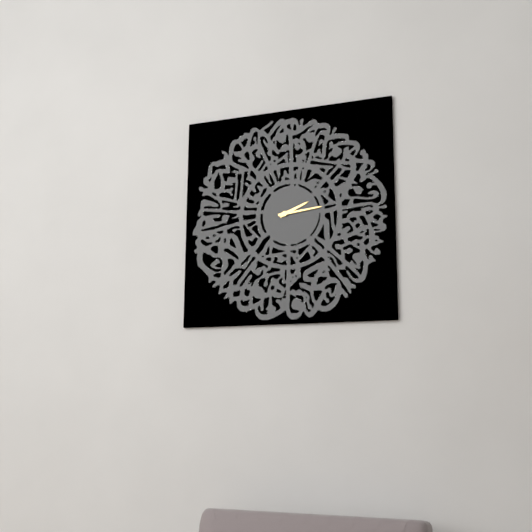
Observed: 2h14
